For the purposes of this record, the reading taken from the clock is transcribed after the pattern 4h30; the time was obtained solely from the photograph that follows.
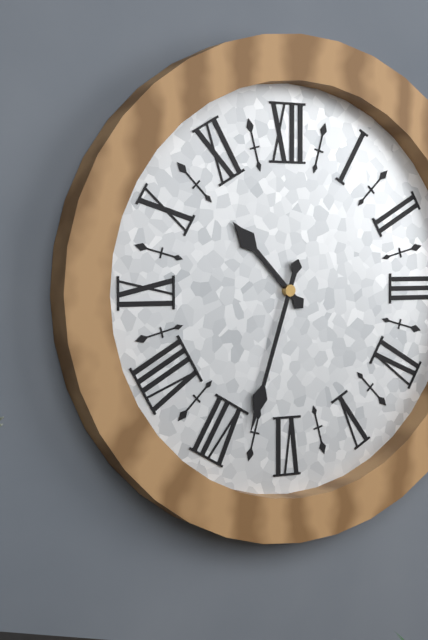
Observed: 10h33
